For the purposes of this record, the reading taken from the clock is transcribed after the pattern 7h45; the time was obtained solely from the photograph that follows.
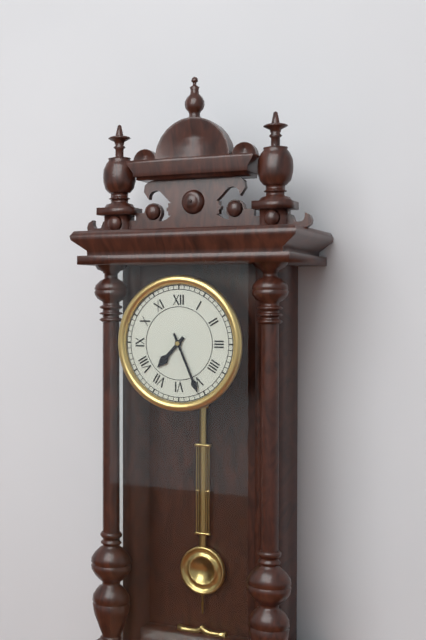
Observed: 7h26
